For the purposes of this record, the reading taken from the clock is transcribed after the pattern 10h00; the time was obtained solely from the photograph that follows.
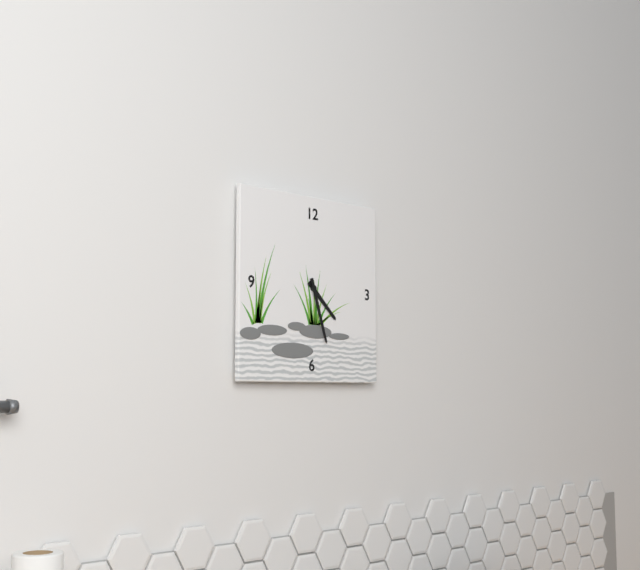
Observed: 4h27
